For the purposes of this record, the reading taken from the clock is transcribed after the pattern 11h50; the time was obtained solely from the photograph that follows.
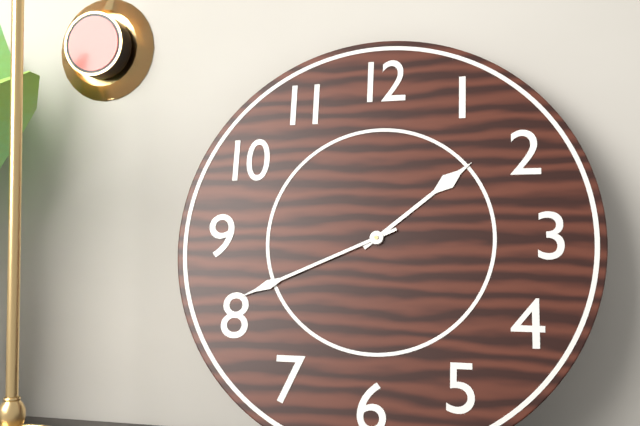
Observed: 1h41
